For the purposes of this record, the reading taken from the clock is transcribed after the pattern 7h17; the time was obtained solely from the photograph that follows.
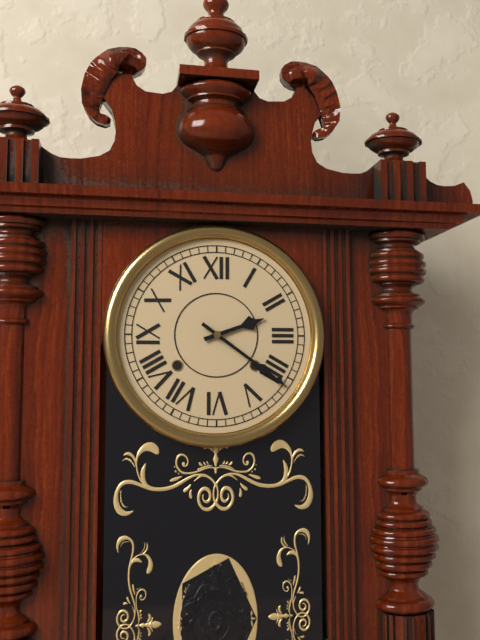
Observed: 2h21
